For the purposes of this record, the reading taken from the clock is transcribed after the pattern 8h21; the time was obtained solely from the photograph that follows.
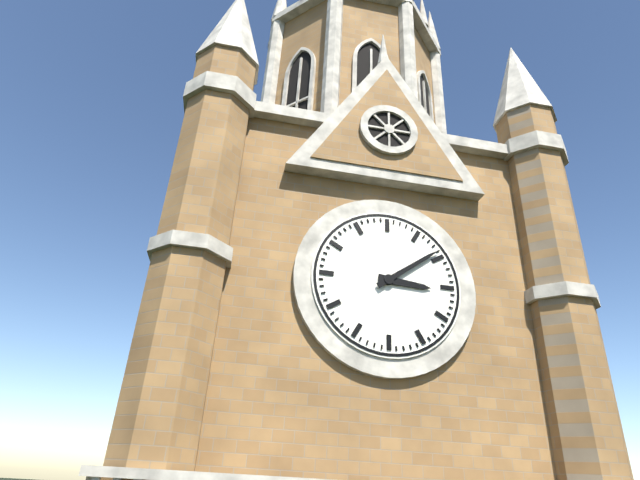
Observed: 3h09
